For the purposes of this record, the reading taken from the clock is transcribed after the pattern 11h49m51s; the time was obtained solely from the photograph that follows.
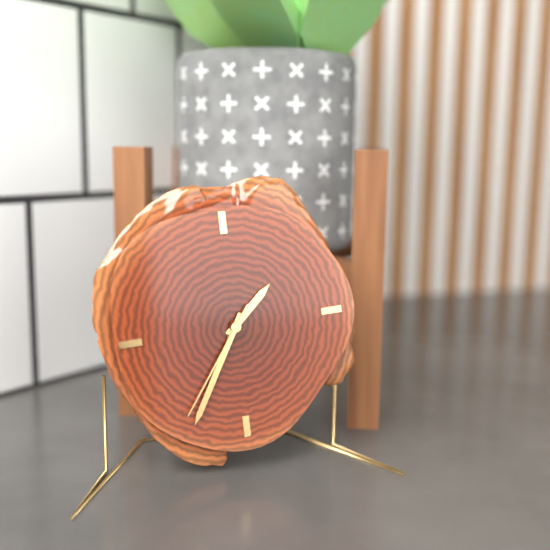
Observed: 1h35m36s
